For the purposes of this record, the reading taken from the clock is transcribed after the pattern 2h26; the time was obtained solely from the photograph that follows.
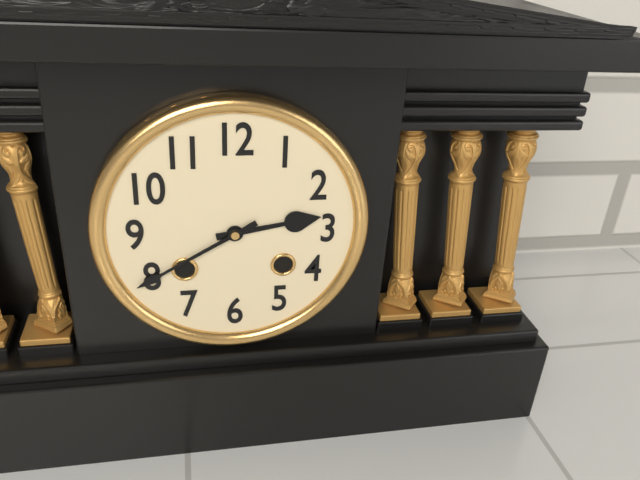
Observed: 2h40
